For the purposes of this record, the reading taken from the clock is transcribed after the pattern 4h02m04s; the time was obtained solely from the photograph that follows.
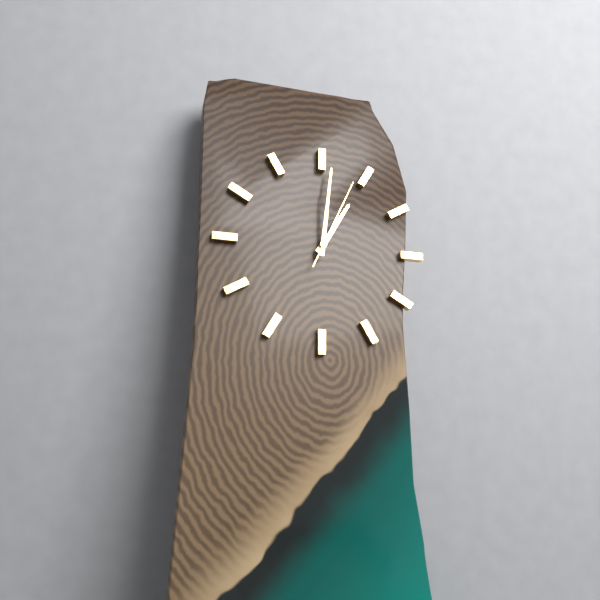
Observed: 1h01m04s
